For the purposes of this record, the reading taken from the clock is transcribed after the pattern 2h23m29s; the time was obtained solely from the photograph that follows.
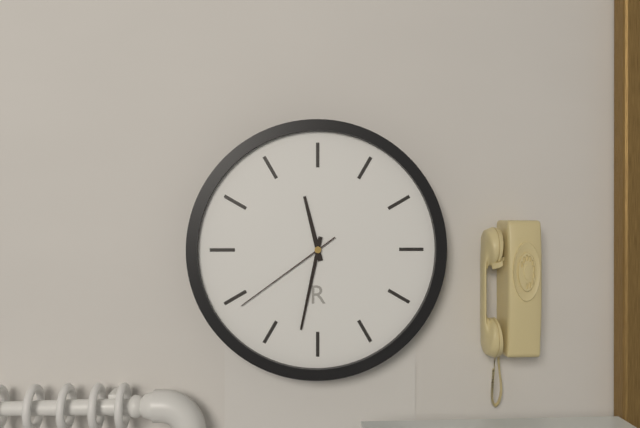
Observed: 11h32m39s
